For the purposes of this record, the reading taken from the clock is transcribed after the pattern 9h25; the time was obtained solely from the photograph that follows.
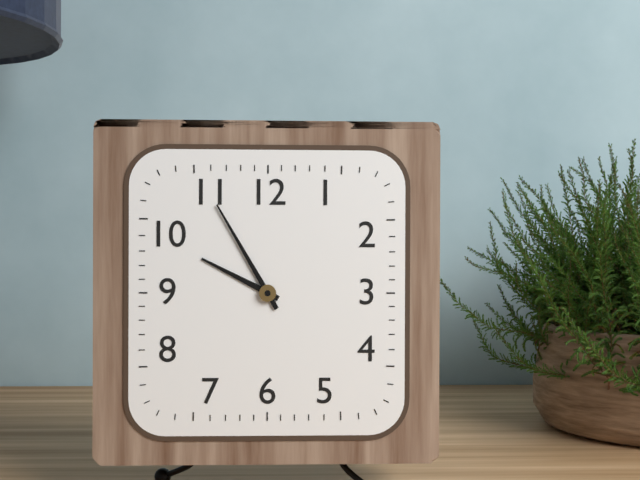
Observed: 9h55
